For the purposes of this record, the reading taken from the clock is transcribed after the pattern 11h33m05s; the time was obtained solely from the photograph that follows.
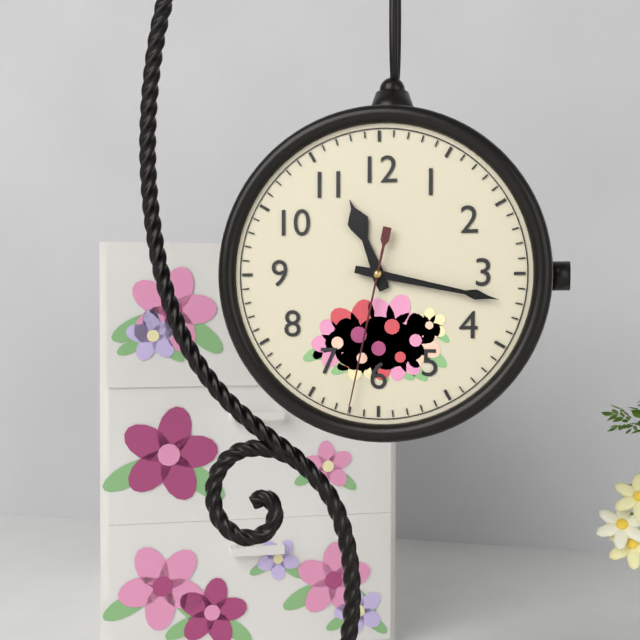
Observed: 11h17m32s
